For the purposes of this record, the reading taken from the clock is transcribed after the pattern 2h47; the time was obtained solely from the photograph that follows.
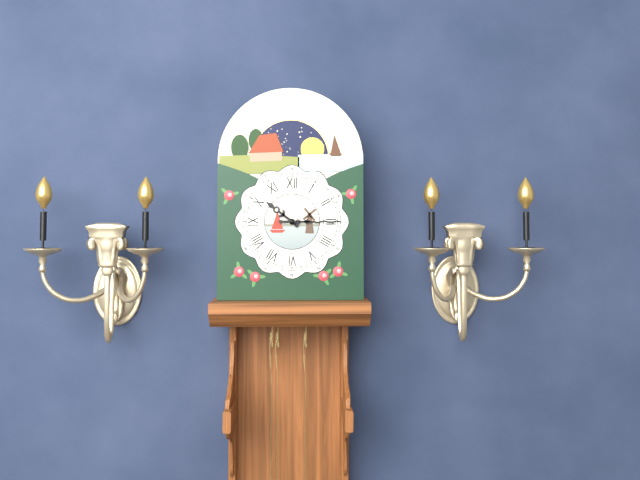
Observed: 10h15
